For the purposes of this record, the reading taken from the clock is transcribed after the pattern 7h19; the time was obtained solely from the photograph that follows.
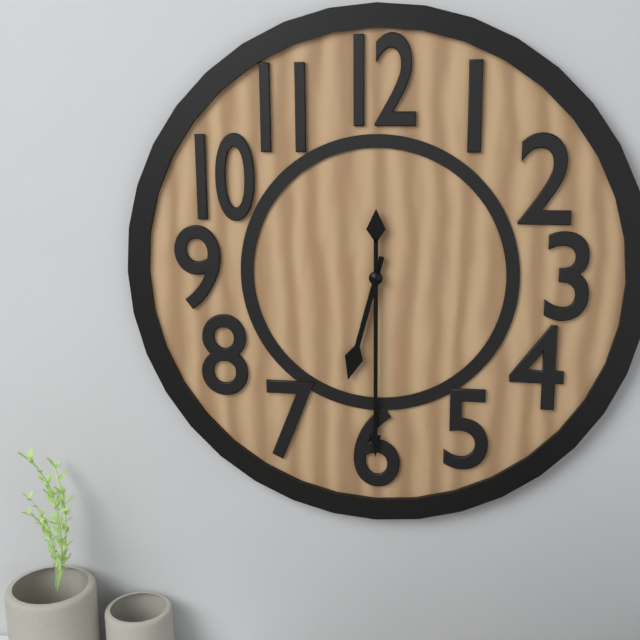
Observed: 6h30
